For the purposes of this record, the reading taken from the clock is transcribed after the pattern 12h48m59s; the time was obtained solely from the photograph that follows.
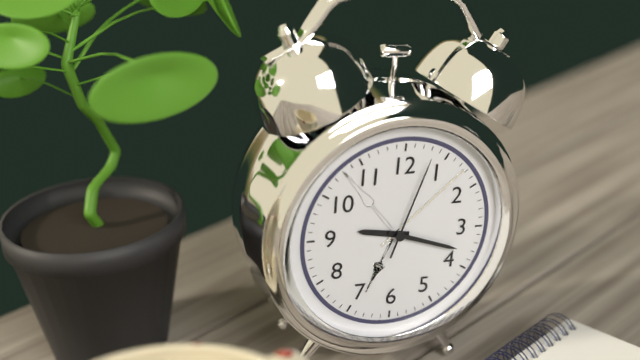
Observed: 9h18m03s
